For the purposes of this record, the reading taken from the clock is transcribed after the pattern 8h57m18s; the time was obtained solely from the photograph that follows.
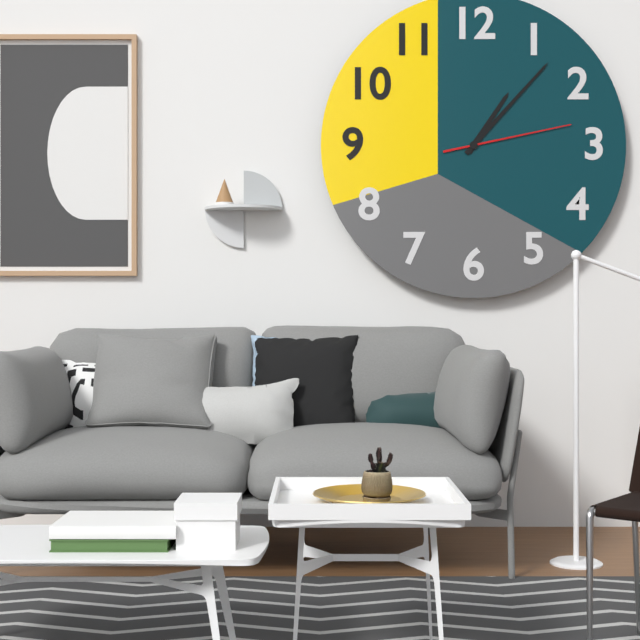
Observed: 1h07m13s
